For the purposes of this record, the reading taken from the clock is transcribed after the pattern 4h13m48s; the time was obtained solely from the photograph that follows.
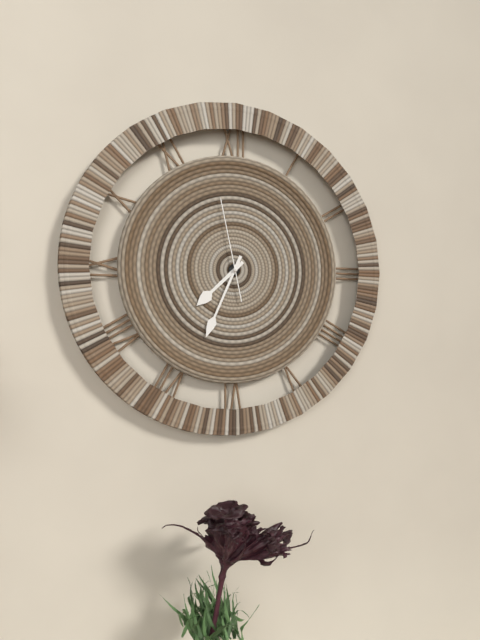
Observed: 7h34m58s
